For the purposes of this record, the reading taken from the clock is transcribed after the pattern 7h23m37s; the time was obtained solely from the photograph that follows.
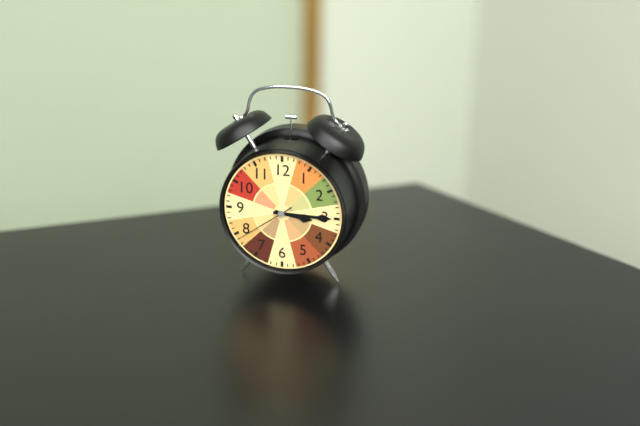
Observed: 3h15m39s
